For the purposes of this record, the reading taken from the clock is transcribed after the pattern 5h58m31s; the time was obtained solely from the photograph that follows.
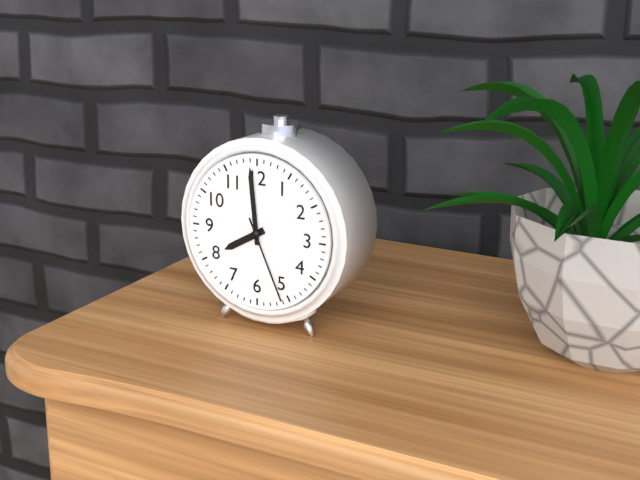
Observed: 7h59m26s
